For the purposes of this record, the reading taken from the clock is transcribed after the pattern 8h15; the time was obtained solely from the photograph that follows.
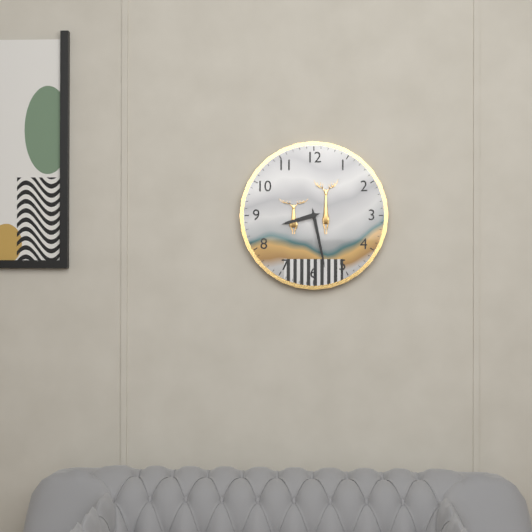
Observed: 8h28
